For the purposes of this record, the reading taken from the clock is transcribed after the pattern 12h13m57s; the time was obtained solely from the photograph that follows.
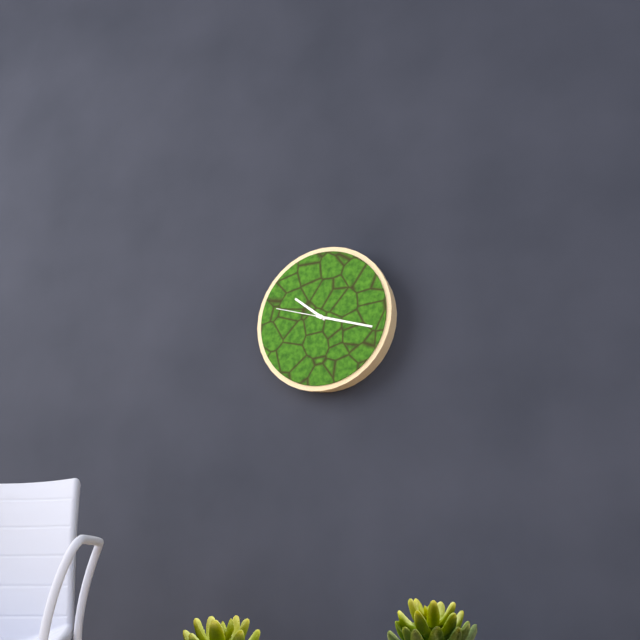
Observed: 10h18m48s
